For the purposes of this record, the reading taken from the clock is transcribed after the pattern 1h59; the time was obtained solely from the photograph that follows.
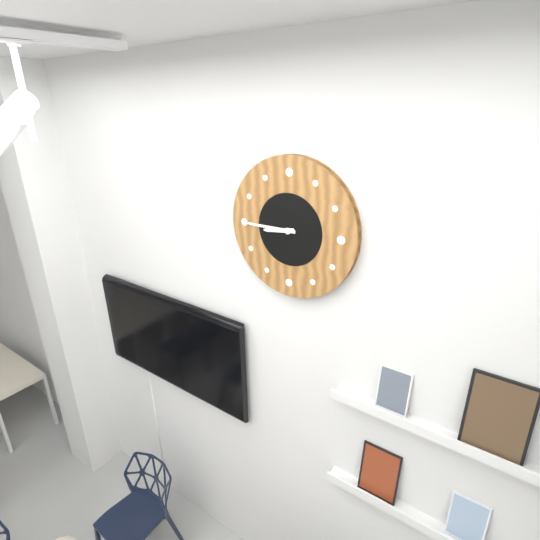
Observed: 8h45
